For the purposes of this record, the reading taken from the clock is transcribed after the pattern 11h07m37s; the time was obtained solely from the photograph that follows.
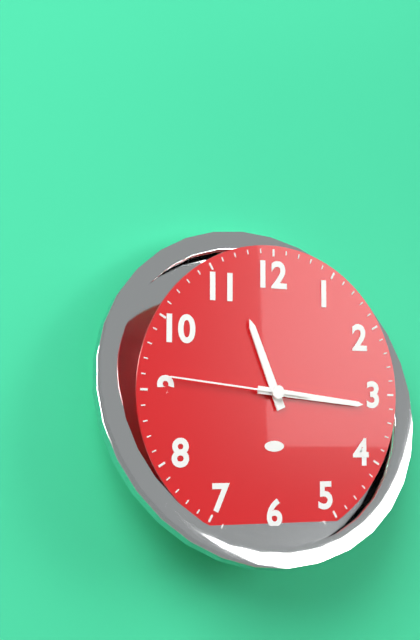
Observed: 11h16m46s
